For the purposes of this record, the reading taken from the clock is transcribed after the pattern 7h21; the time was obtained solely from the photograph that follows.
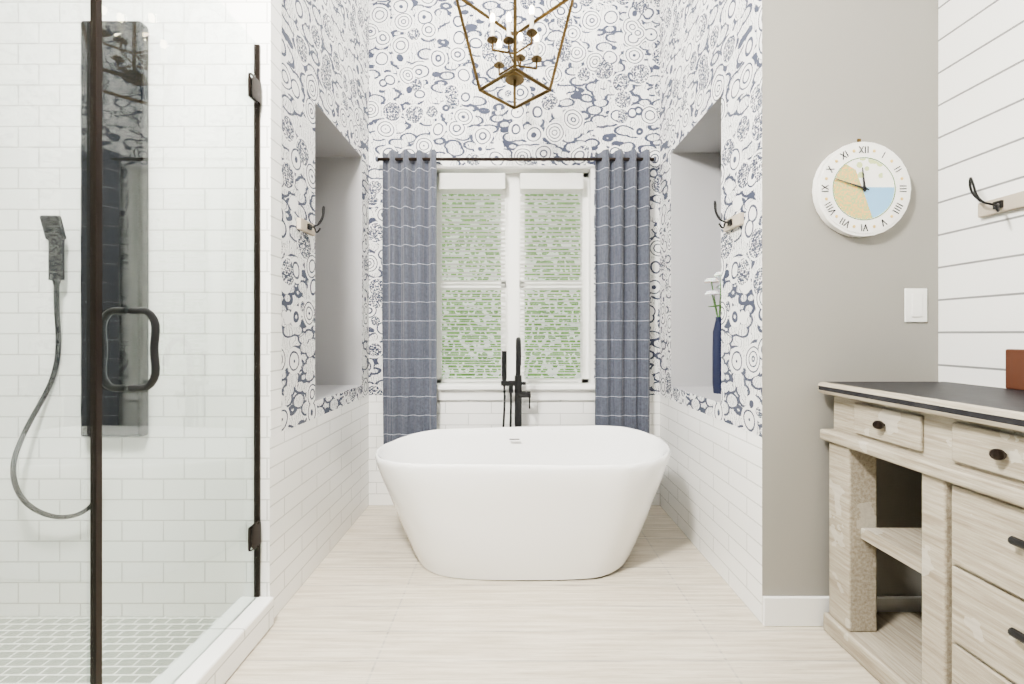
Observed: 11h48
